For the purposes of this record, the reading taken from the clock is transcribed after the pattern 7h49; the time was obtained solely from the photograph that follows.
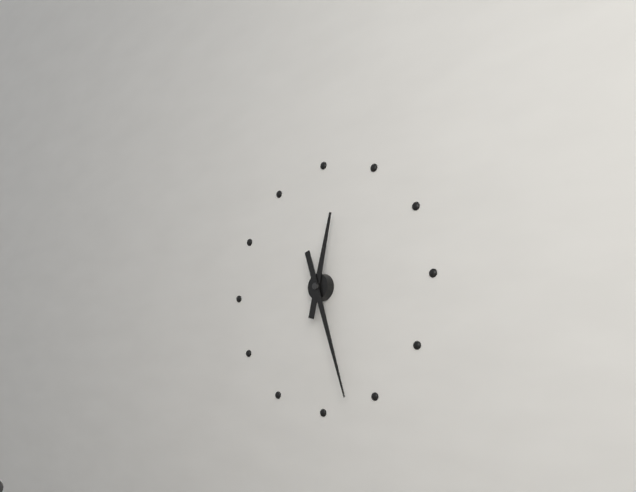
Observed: 12h27
